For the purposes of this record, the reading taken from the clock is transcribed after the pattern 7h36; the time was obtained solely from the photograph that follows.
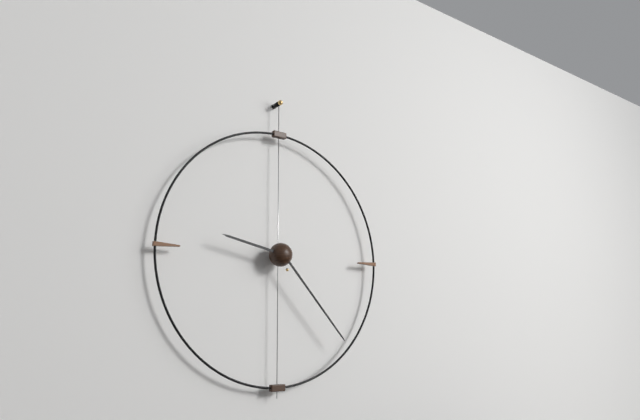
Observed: 9h23
